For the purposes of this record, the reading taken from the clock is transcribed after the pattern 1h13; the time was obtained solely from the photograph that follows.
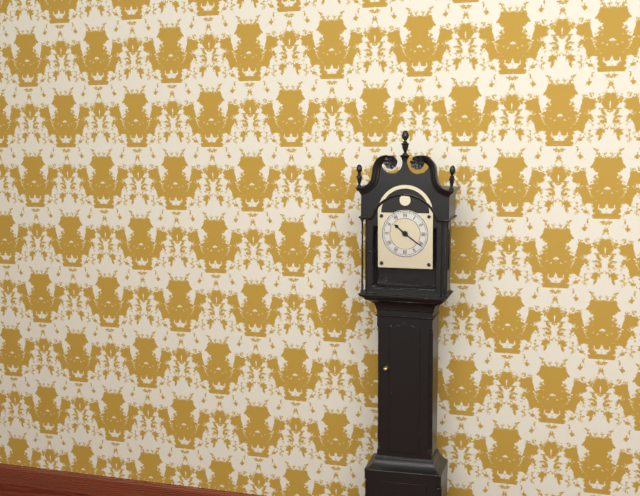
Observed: 10h21
